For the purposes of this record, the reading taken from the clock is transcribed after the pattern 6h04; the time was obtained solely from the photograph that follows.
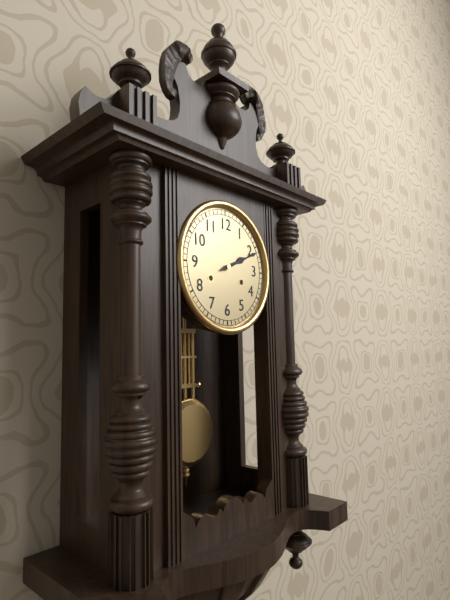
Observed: 2h11
